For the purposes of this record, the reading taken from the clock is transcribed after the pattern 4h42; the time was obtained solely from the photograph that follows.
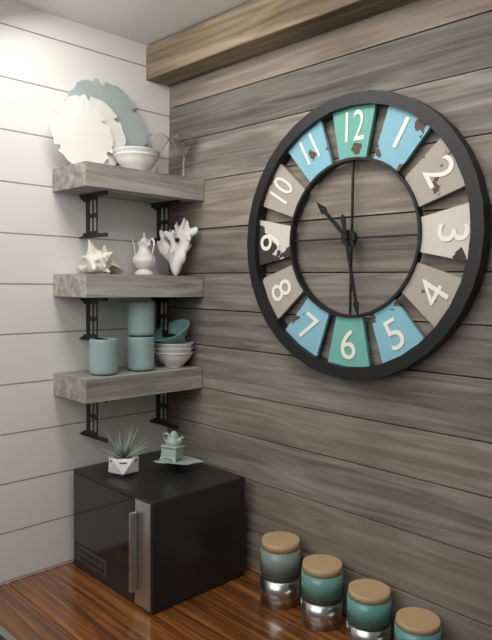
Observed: 10h28
